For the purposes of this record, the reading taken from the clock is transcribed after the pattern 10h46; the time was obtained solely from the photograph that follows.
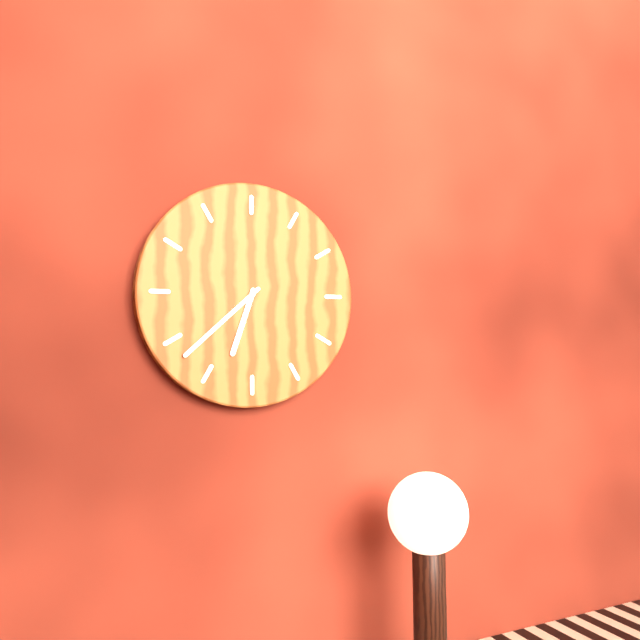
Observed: 6h38
